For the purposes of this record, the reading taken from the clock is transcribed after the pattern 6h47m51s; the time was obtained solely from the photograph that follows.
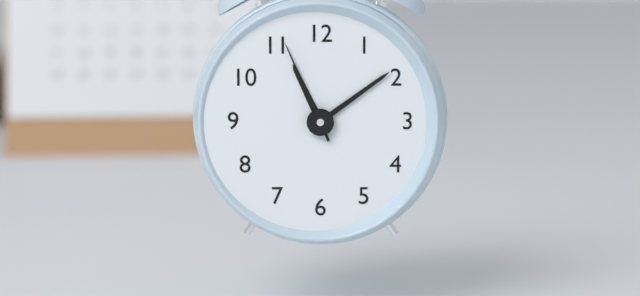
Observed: 11h09m56s
